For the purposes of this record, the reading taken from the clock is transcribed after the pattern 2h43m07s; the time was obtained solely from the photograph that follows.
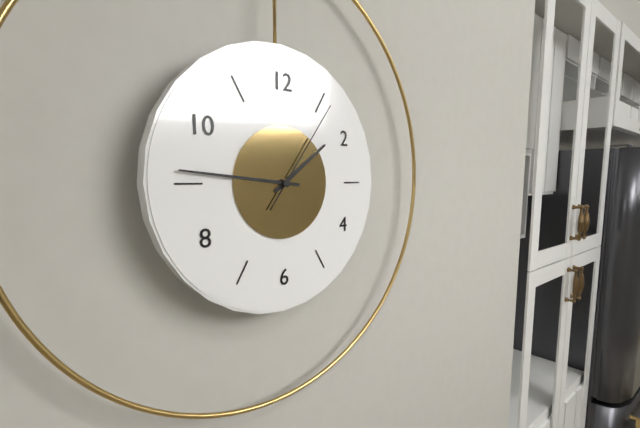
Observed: 1h46m06s
